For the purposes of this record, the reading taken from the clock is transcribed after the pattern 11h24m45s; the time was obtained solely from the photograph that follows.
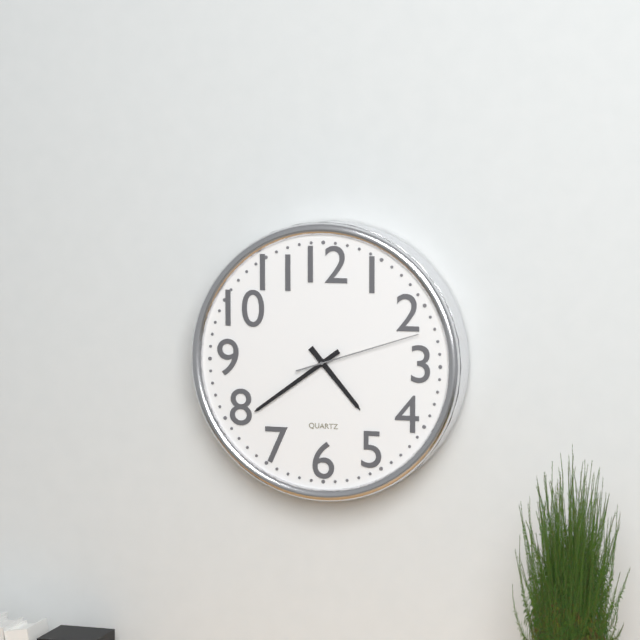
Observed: 4h39m12s
